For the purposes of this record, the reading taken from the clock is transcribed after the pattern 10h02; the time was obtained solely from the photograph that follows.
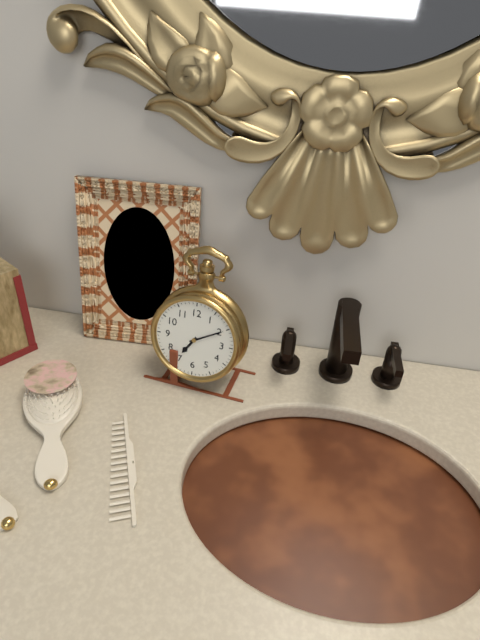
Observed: 7h10
